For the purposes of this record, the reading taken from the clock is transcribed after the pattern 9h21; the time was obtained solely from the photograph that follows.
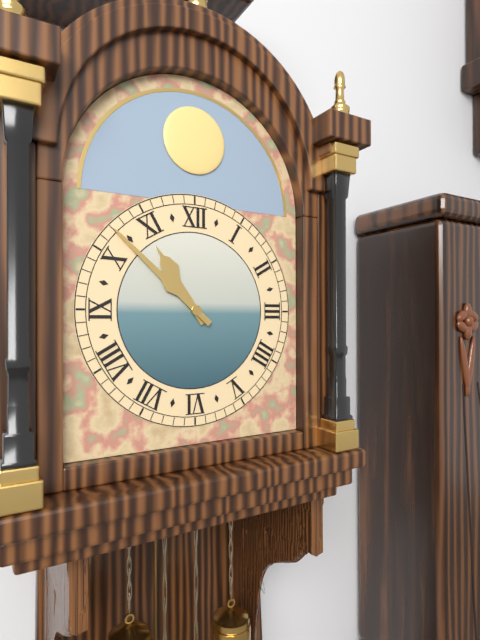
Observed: 10h52
